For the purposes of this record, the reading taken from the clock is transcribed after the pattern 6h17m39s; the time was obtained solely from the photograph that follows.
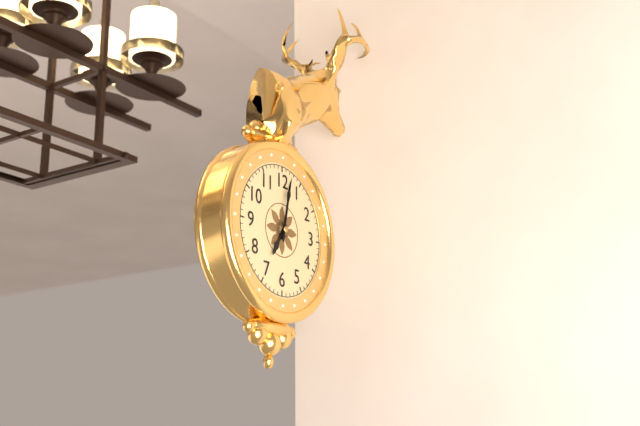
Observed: 7h02m02s
